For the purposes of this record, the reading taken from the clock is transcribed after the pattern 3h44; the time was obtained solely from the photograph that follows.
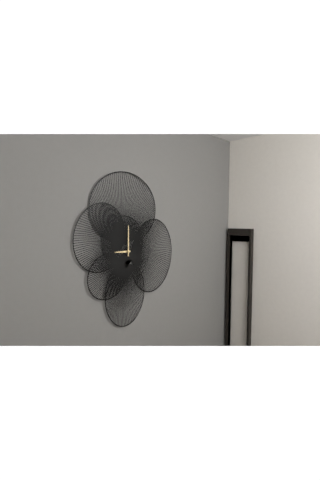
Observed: 9h00
